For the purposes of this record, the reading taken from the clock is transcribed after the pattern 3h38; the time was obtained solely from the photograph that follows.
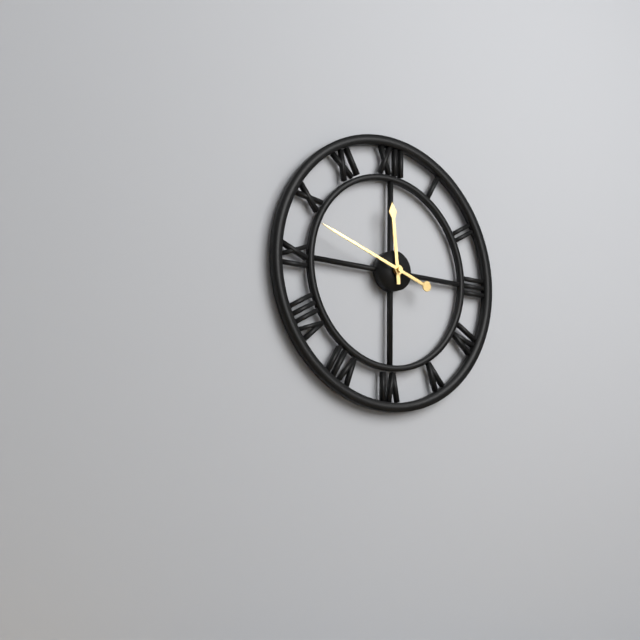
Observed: 11h48
